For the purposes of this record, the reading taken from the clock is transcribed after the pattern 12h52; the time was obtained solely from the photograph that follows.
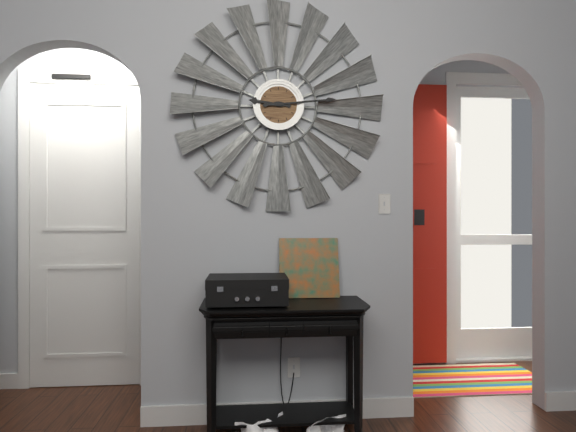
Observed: 9h14
